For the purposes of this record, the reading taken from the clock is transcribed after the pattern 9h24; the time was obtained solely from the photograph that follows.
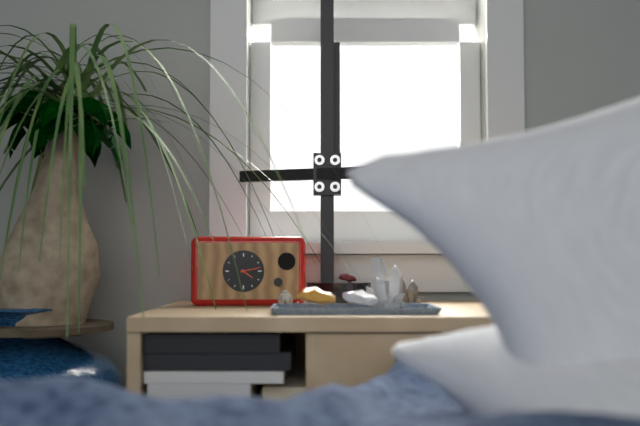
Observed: 4h13
